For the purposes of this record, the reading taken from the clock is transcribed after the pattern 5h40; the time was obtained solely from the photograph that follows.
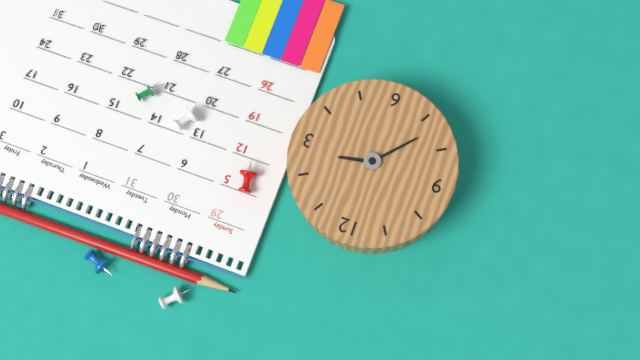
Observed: 2h37
